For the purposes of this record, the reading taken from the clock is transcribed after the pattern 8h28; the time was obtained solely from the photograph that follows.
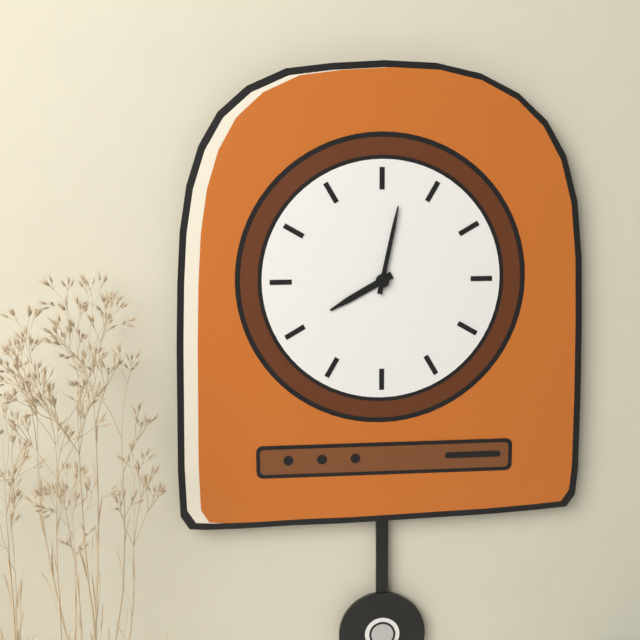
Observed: 8h02
